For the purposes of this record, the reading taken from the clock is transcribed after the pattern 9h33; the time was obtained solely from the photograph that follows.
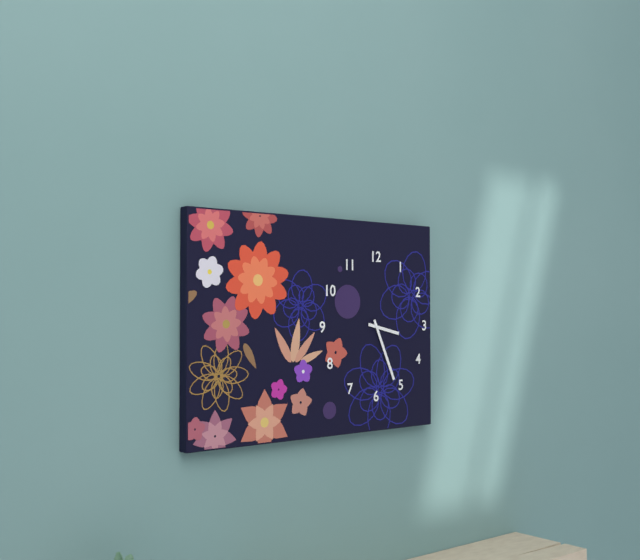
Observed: 3h26
